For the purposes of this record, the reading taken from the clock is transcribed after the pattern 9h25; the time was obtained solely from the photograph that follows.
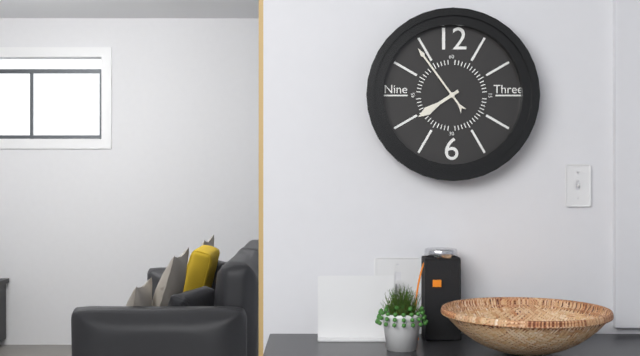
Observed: 7h54
